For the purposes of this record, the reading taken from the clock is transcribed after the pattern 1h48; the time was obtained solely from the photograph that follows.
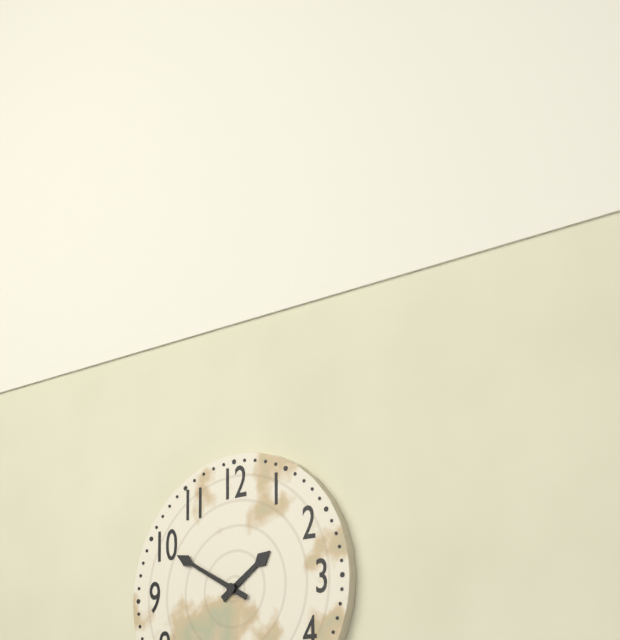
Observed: 1h50
